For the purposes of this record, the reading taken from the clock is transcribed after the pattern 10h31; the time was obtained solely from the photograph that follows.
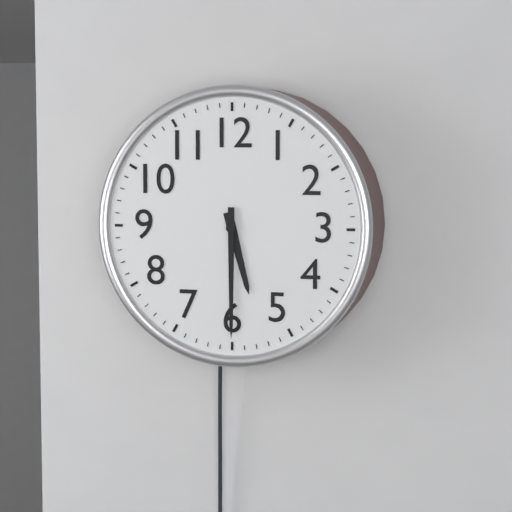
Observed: 5h30
